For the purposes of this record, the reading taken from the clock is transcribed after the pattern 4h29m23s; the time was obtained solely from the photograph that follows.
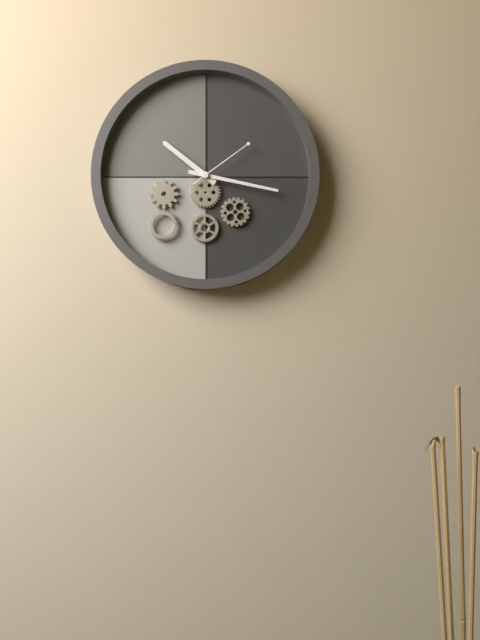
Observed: 10h17m09s
